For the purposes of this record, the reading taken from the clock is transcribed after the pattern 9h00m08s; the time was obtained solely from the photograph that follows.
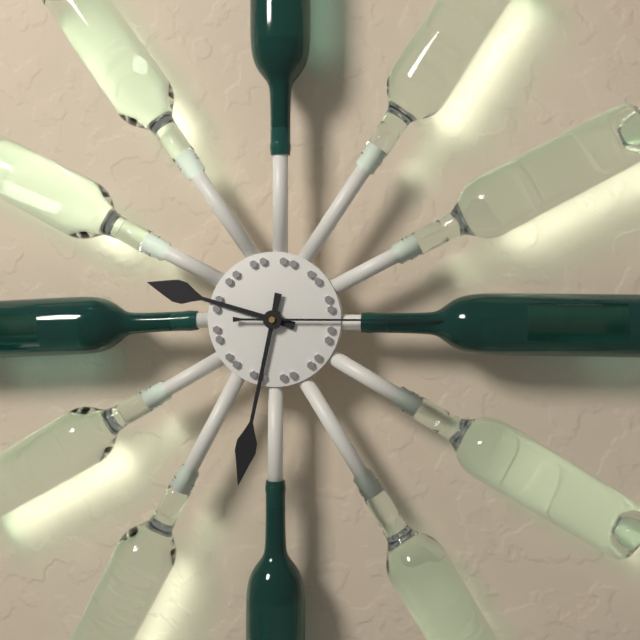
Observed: 9h32m15s
